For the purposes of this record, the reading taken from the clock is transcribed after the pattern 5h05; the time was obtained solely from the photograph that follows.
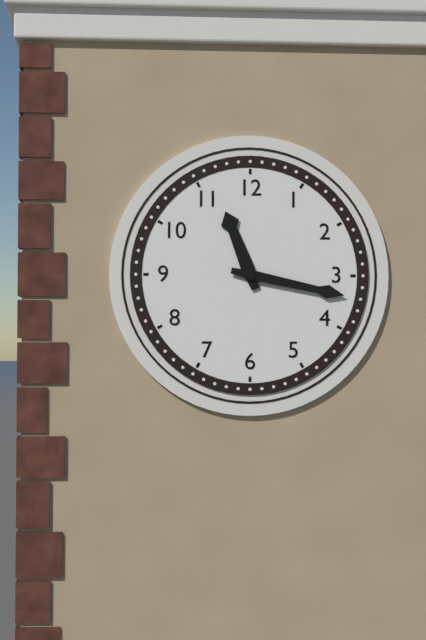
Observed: 11h17
